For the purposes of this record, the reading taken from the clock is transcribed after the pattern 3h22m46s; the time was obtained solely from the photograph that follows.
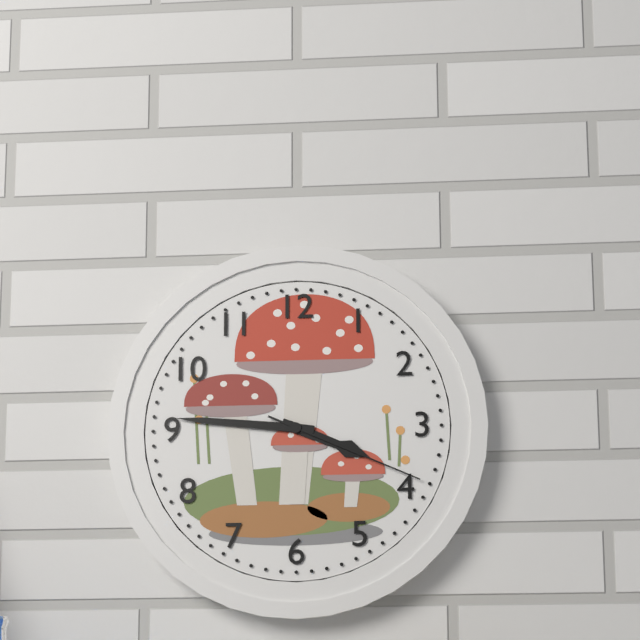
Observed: 3h46m19s
